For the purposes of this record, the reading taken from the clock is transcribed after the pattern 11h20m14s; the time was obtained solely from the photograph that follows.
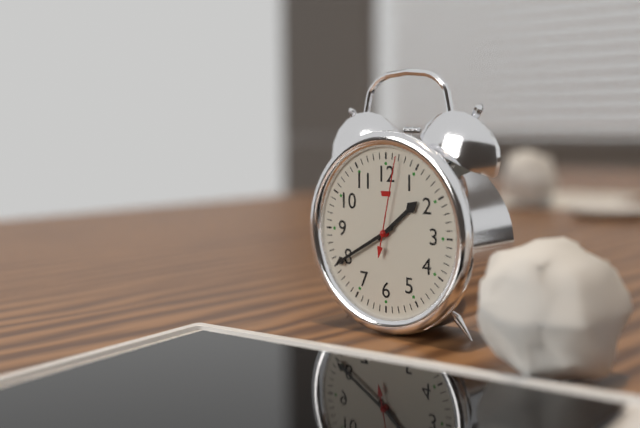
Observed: 1h40m02s
